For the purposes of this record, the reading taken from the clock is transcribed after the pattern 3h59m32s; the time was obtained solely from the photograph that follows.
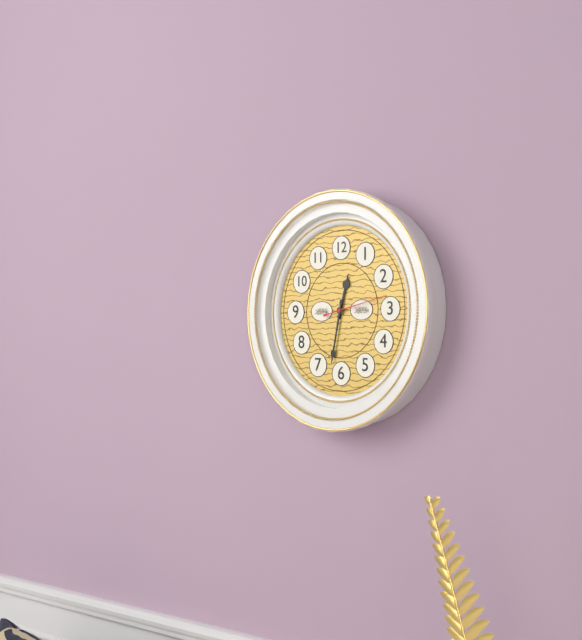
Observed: 12h32m13s
